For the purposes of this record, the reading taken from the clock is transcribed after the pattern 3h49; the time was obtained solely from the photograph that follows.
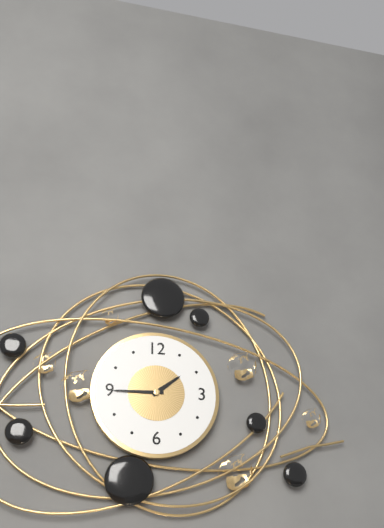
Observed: 1h45
